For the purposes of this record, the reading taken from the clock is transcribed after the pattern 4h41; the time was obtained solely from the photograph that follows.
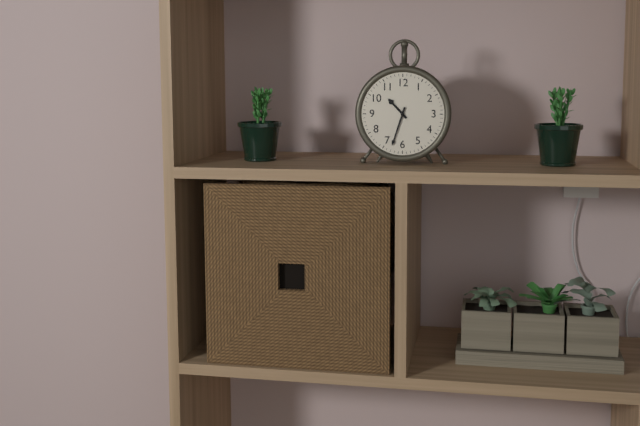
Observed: 10h33
